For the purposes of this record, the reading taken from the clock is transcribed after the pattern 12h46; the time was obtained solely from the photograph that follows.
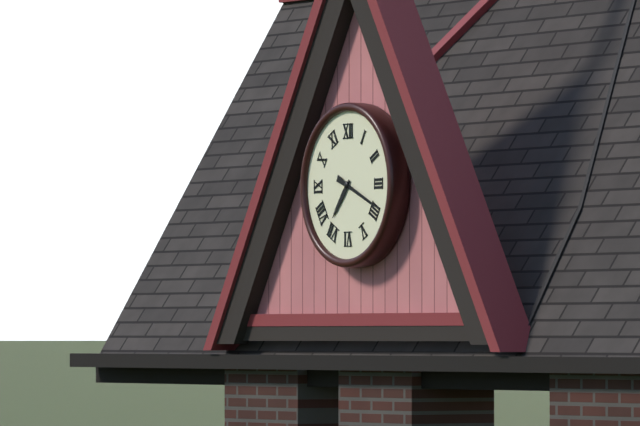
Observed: 7h19
